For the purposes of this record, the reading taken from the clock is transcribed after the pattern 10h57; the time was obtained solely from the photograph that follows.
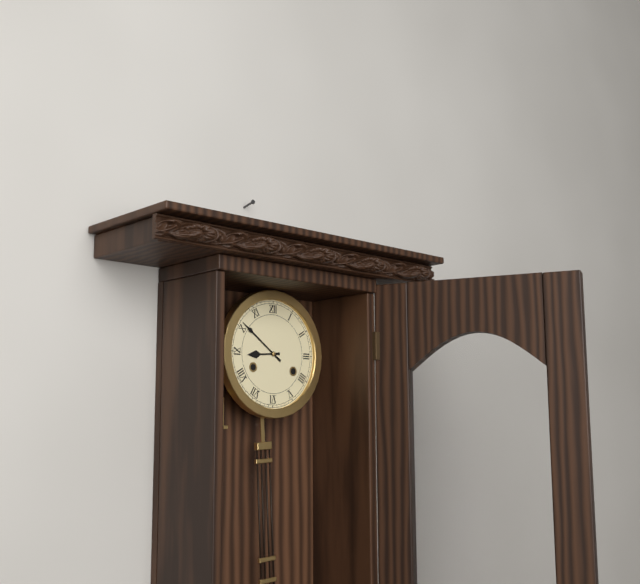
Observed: 8h51
